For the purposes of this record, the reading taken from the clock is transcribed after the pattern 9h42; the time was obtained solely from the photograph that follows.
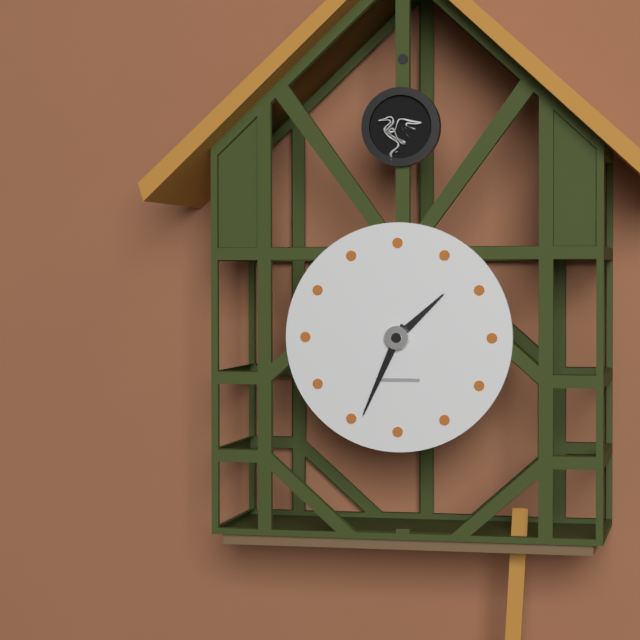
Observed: 1h34
